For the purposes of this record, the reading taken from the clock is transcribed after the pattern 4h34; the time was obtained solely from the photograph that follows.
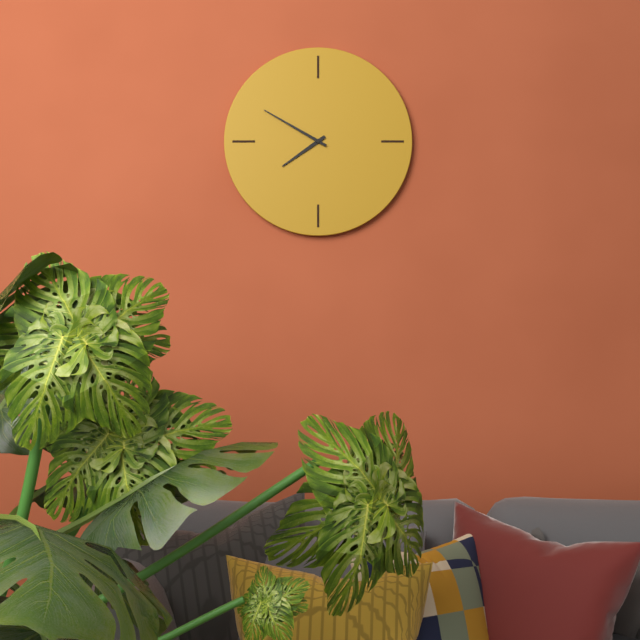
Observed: 7h50
